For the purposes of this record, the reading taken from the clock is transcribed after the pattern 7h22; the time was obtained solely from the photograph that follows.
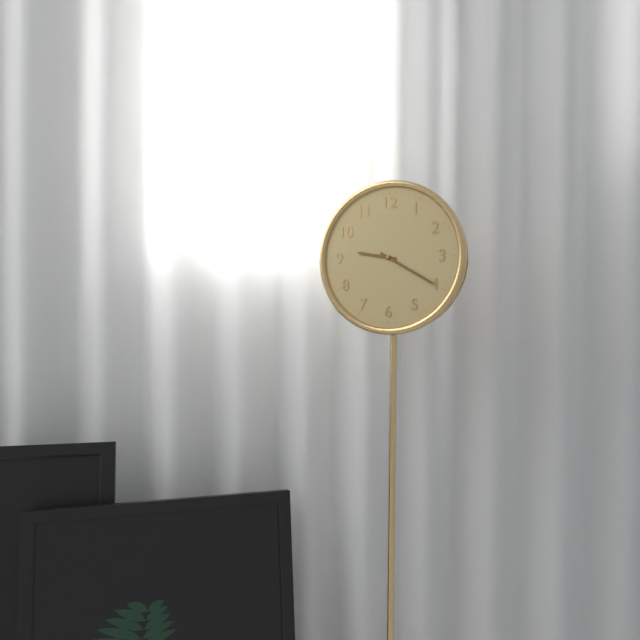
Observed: 9h20
